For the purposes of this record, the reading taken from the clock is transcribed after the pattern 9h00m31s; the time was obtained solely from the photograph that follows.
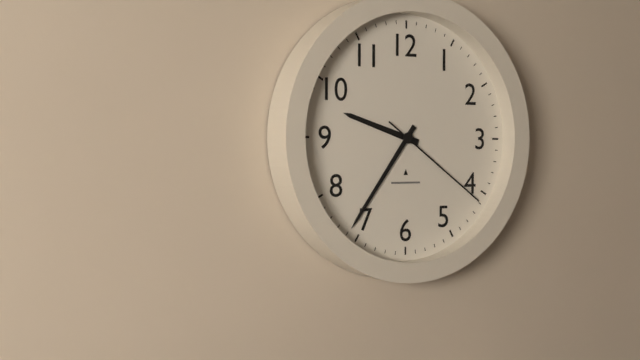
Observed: 9h36m21s
